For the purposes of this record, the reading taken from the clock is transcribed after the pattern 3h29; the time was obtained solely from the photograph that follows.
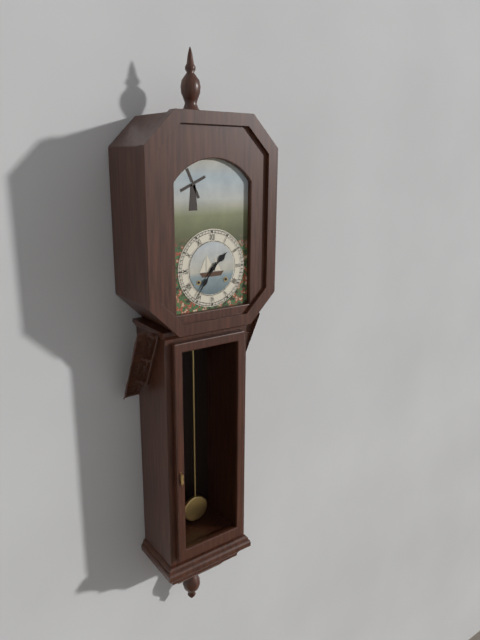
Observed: 1h36
